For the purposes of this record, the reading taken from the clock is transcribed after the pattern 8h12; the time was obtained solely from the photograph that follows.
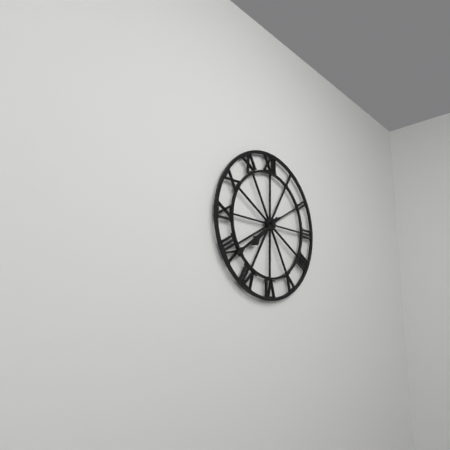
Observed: 7h39
